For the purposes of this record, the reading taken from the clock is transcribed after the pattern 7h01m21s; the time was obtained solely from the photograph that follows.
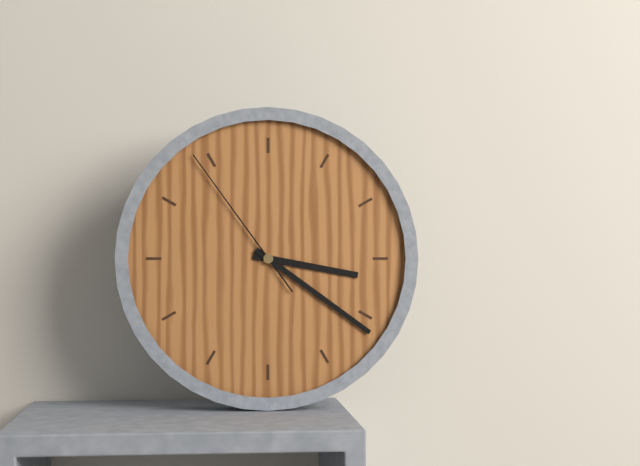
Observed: 3h21m54s
